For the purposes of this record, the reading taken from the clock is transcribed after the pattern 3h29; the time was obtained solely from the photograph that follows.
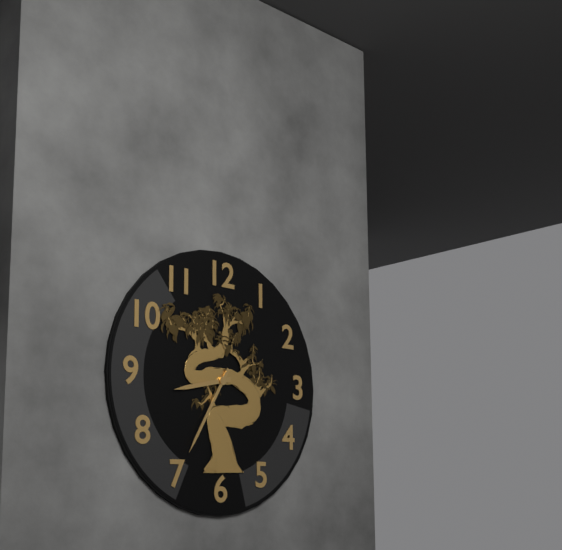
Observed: 8h35
